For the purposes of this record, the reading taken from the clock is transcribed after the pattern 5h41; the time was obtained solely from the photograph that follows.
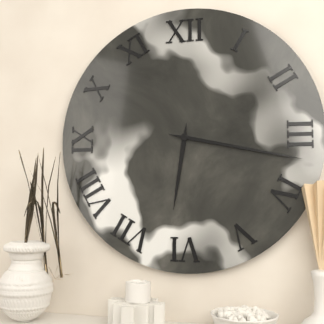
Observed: 6h17
